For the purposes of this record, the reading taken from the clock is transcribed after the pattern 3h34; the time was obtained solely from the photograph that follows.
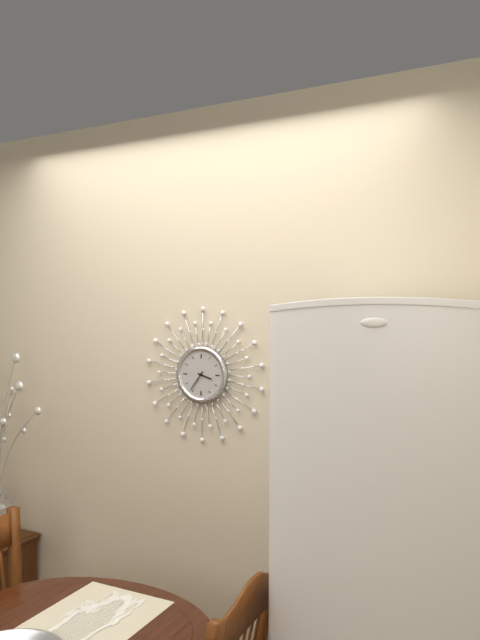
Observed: 3h36
